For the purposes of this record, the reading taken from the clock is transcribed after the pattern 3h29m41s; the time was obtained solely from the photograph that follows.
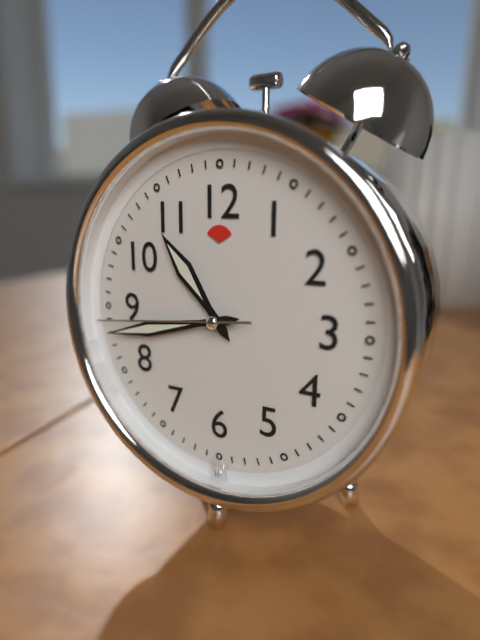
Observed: 10h43m44s
